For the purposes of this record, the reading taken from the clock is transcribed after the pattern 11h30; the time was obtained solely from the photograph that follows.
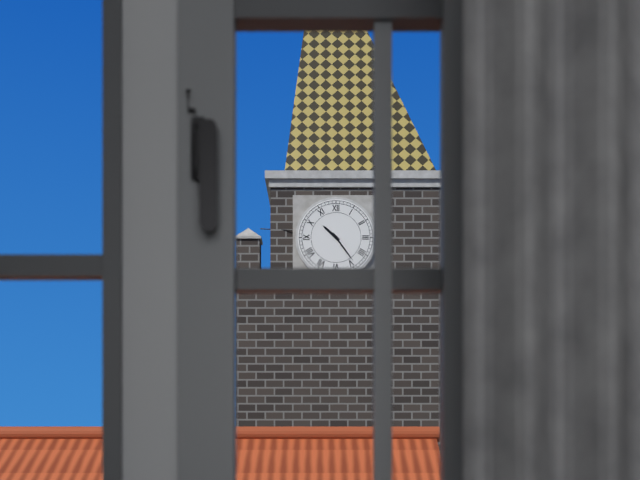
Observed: 10h24
